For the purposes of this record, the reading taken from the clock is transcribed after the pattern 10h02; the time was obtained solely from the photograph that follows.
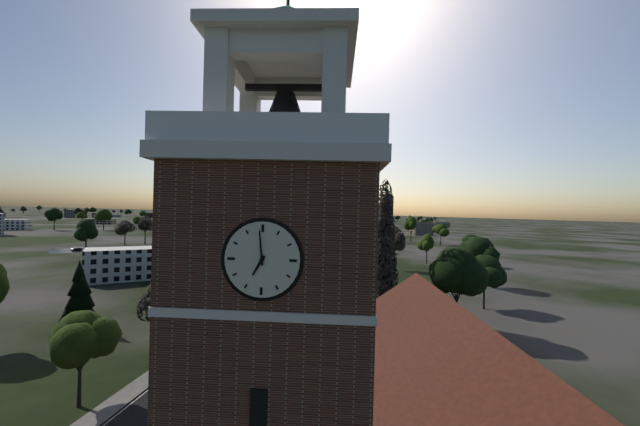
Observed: 6h59
